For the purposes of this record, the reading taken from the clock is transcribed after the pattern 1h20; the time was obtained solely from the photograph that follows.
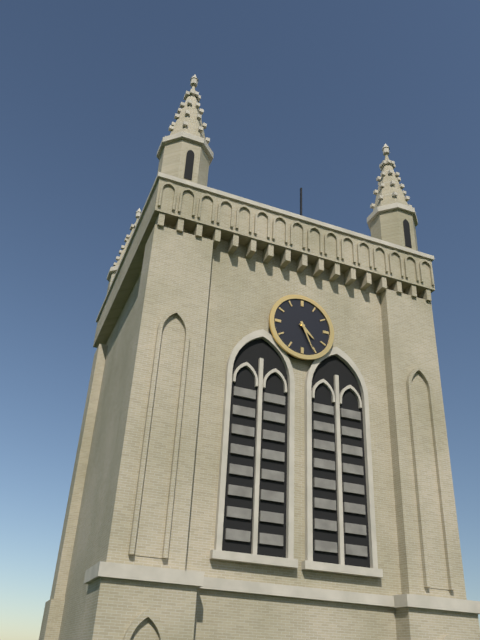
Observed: 4h26
